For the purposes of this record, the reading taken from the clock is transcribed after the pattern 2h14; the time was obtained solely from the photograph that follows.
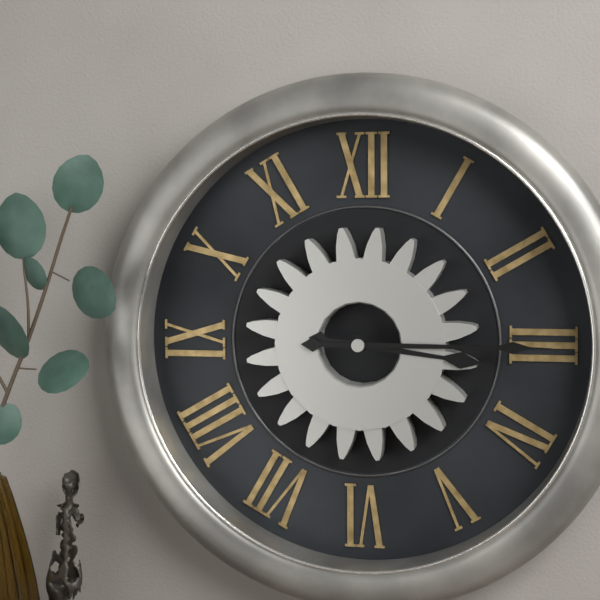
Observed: 3h15
